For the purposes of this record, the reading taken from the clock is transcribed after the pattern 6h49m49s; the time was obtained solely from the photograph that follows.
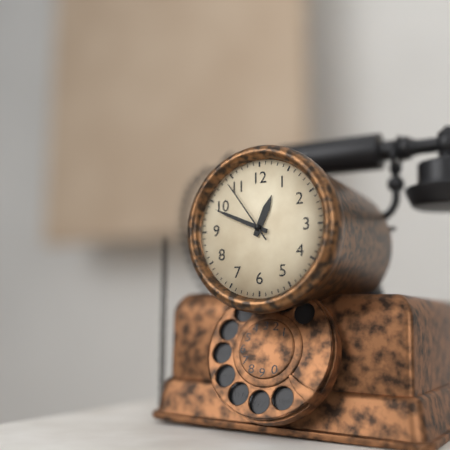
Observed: 12h49m54s
